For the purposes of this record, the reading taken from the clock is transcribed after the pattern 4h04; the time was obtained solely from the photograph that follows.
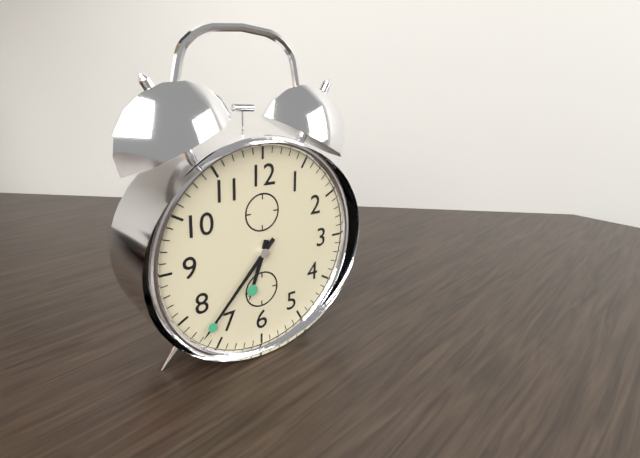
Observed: 6h37
